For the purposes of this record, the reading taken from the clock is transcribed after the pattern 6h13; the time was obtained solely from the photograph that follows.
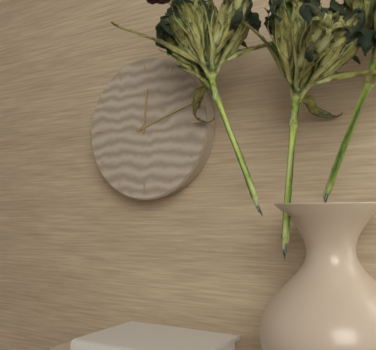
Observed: 12h12
